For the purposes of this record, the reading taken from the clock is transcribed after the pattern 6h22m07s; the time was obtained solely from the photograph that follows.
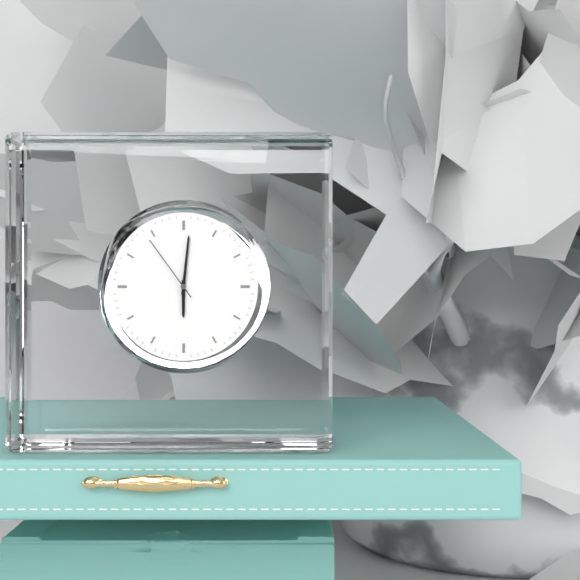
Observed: 6h01m54s
